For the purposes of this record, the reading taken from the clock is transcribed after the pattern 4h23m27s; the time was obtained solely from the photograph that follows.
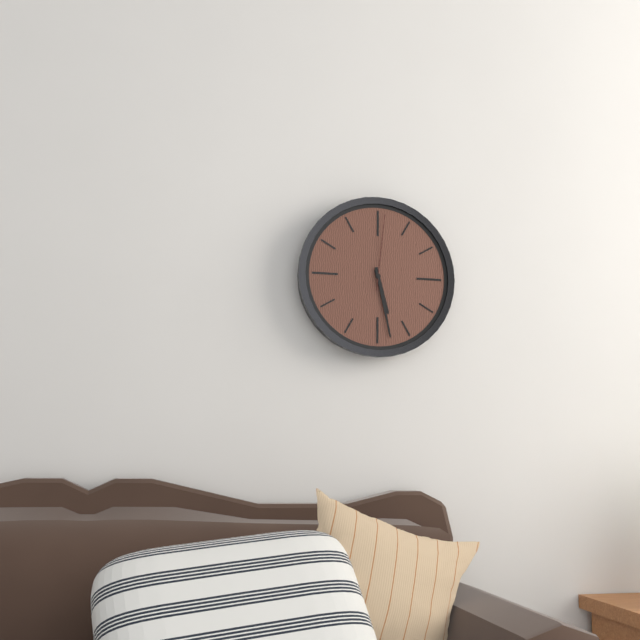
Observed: 5h28m01s
